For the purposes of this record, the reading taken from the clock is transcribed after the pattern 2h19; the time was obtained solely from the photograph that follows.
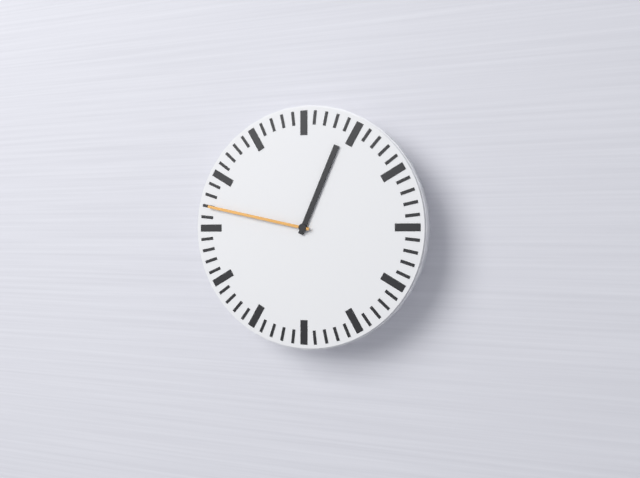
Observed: 12h47
